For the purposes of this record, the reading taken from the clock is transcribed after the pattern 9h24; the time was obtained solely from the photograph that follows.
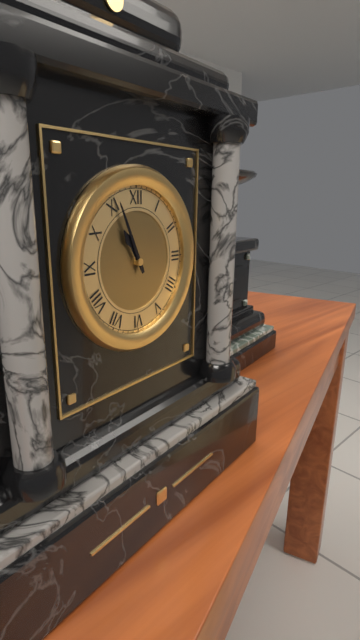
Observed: 10h56
